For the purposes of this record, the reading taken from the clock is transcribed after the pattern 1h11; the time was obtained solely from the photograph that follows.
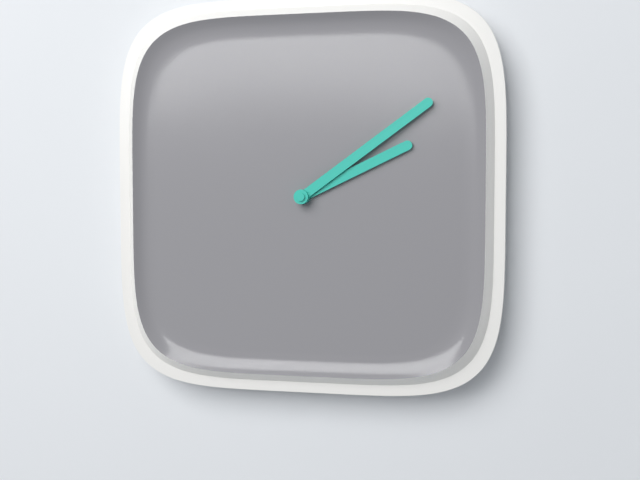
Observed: 2h09
